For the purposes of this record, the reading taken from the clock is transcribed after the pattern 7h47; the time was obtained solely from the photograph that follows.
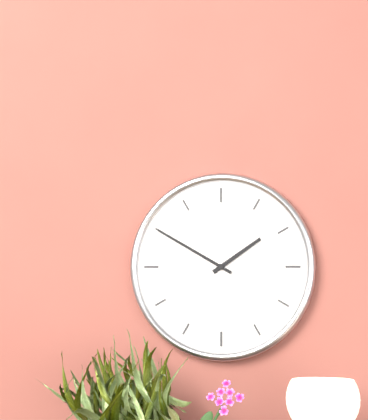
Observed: 1h50
